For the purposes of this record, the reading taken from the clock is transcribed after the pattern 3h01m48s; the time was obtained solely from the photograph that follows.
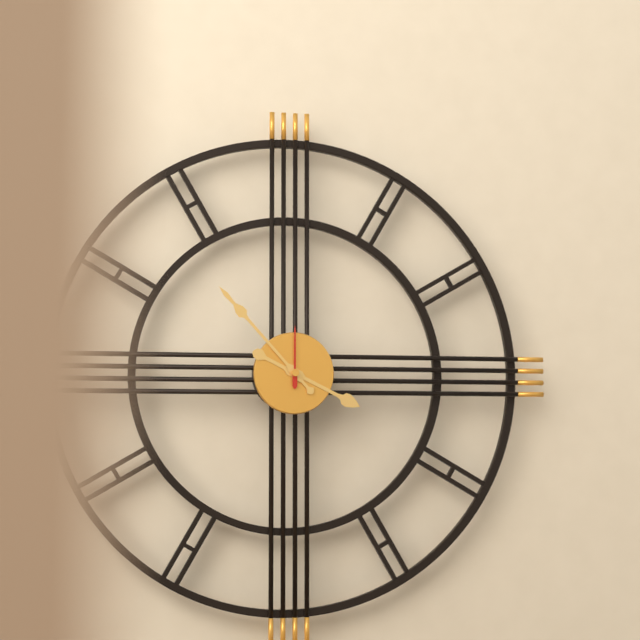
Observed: 3h53m00s
